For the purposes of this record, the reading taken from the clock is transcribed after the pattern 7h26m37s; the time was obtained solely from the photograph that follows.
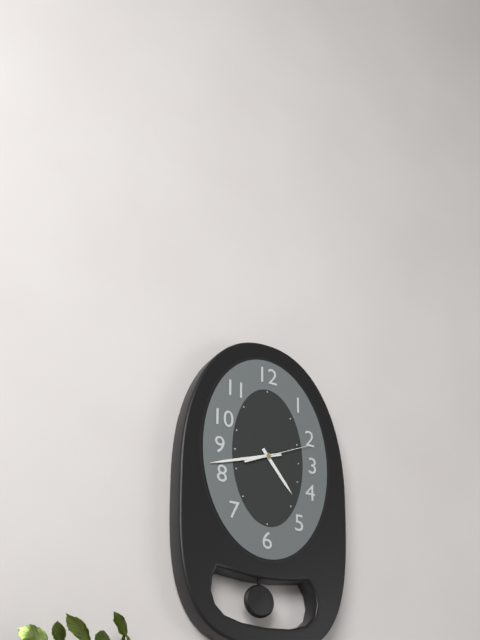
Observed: 4h42m11s
